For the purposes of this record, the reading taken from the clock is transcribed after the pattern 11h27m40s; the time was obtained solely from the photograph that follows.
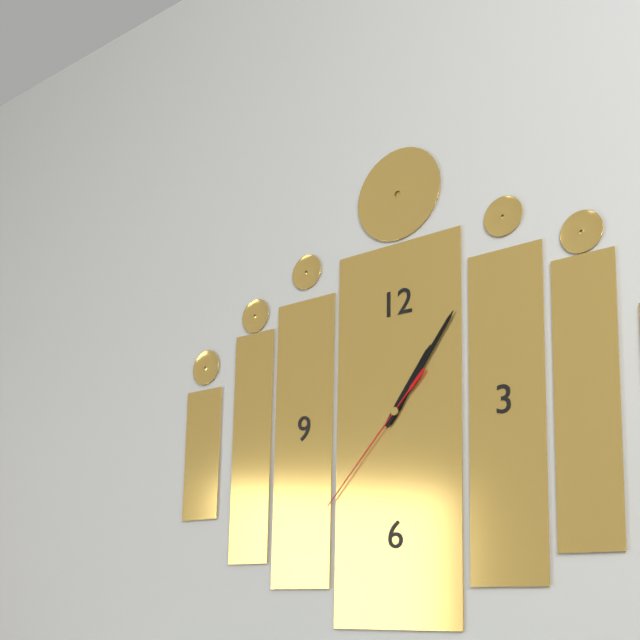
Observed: 1h06m37s
